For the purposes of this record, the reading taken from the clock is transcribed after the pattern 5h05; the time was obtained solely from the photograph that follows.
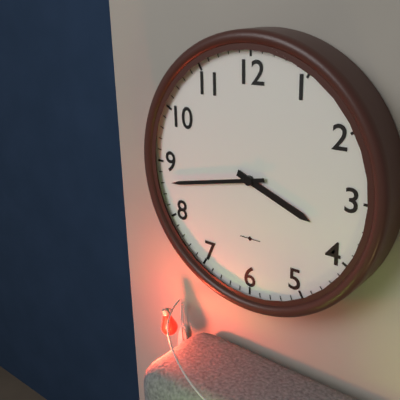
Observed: 3h43
